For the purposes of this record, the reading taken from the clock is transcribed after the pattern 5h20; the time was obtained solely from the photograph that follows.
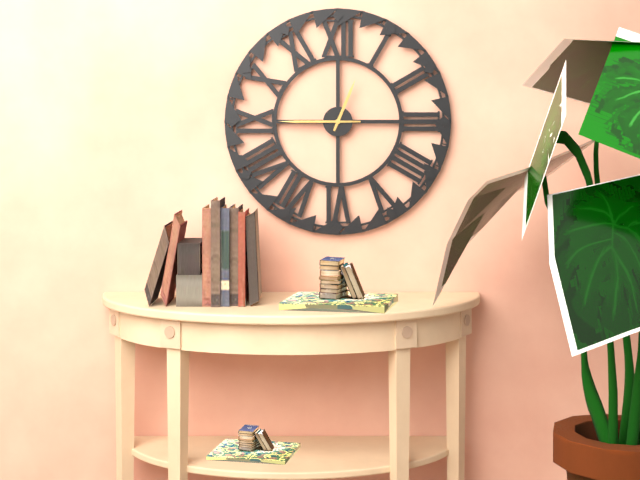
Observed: 12h45
